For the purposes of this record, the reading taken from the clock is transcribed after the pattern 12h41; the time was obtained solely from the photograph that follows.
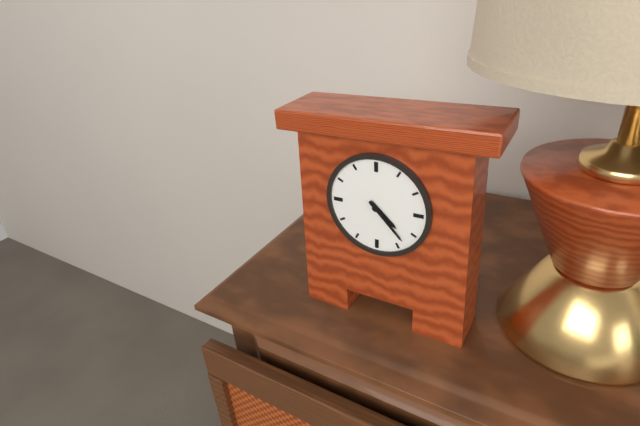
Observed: 4h23
